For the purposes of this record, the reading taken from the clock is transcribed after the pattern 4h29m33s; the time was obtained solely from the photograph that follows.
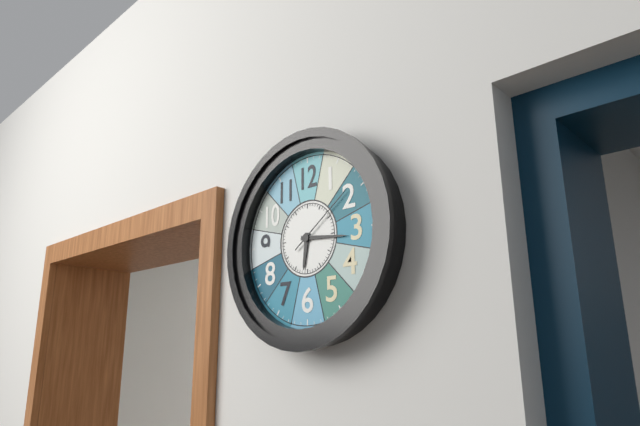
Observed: 6h16m09s
